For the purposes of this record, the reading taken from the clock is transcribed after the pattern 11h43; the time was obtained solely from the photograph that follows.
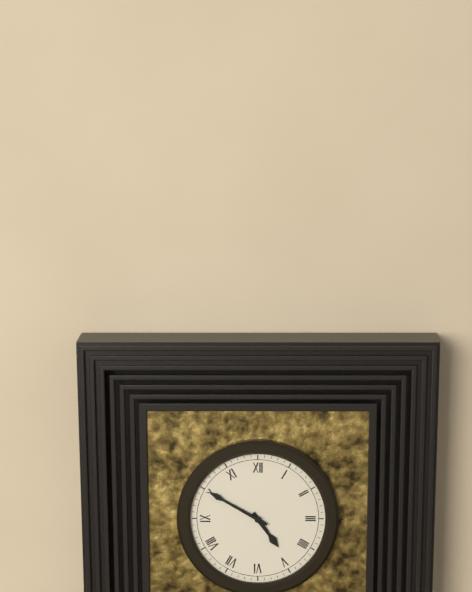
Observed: 4h50
